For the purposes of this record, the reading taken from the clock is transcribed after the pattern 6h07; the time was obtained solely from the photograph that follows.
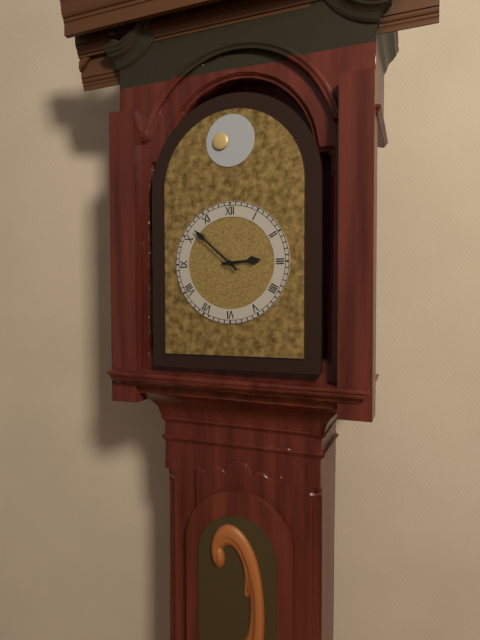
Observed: 2h52
